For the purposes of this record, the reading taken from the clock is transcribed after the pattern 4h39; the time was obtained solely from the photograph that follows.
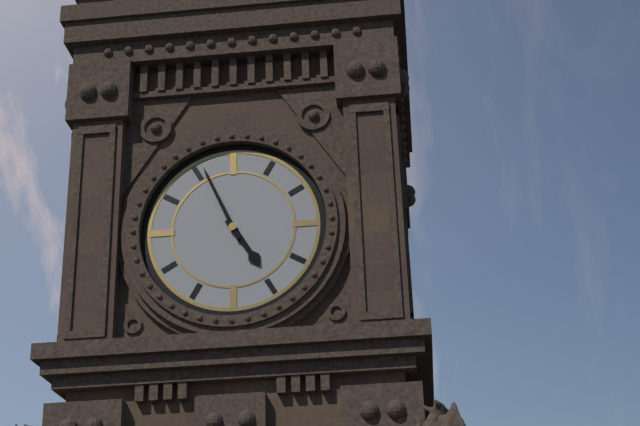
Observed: 4h56
